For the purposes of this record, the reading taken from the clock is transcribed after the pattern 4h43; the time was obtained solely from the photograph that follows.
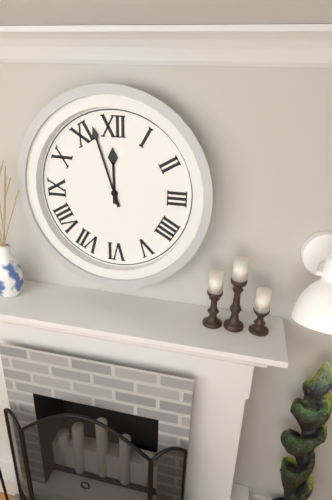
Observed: 11h57
